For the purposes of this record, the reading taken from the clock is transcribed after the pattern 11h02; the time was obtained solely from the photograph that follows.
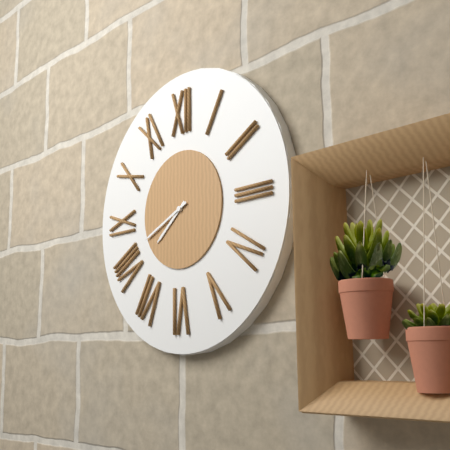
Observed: 7h41
